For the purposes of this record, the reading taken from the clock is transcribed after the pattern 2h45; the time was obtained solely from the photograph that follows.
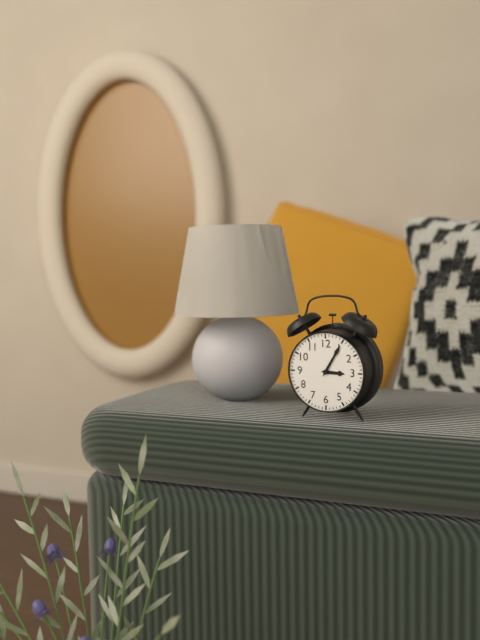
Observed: 3h05
